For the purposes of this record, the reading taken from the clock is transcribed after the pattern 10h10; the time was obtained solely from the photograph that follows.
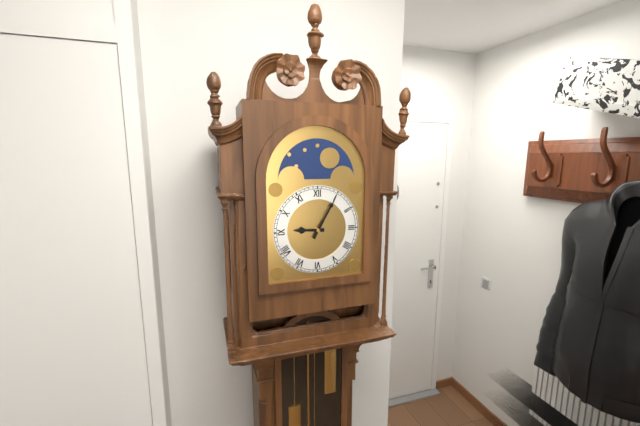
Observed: 9h05
